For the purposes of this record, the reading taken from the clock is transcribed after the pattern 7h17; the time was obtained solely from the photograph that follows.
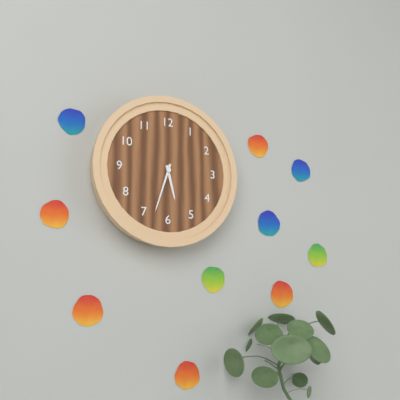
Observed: 5h33
